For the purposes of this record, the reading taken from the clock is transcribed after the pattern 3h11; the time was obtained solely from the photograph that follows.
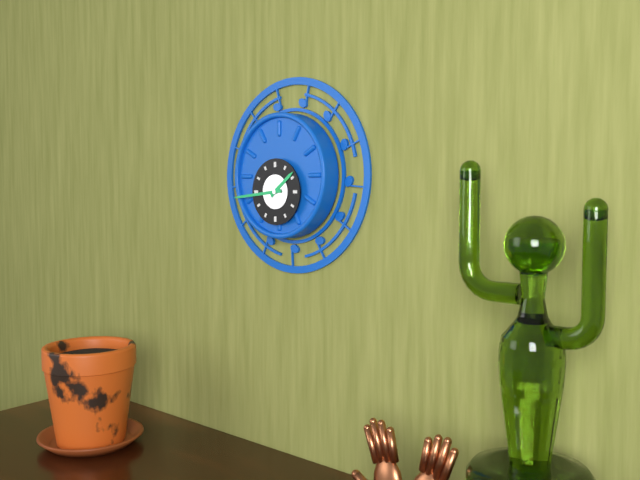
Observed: 1h44
